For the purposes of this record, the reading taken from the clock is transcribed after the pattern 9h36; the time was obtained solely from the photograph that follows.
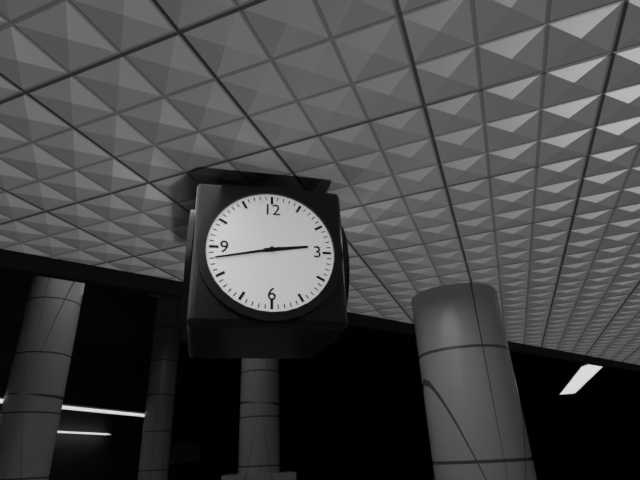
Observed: 2h43
